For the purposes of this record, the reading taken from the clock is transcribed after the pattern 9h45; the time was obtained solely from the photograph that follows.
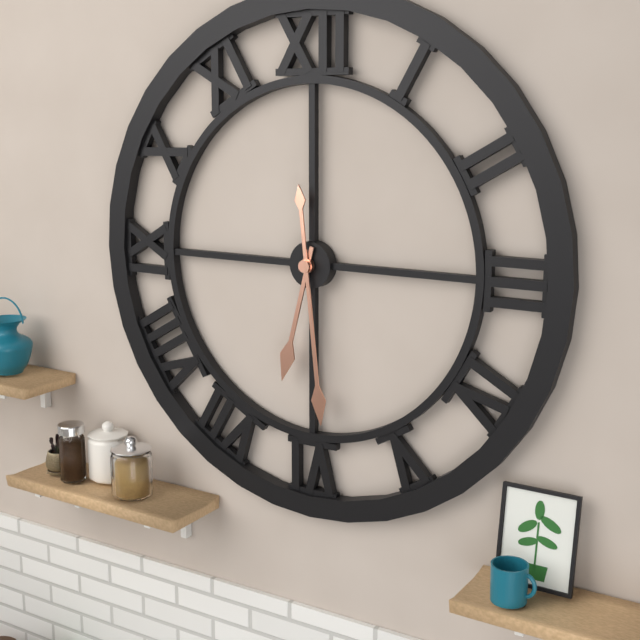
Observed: 6h29
